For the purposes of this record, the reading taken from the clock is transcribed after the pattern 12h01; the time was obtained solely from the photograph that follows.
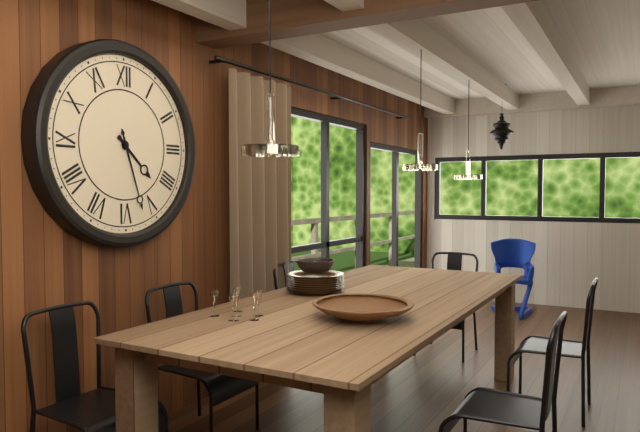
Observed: 4h27
